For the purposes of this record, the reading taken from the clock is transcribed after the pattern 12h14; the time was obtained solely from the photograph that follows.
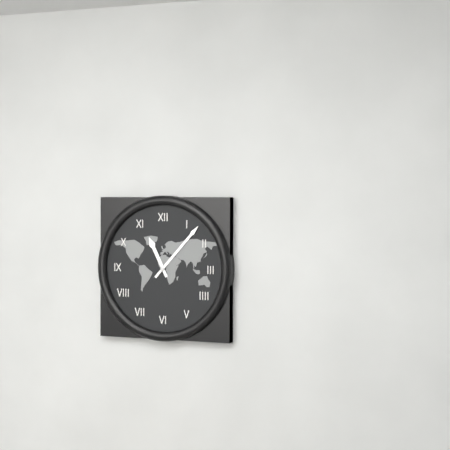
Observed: 11h07
